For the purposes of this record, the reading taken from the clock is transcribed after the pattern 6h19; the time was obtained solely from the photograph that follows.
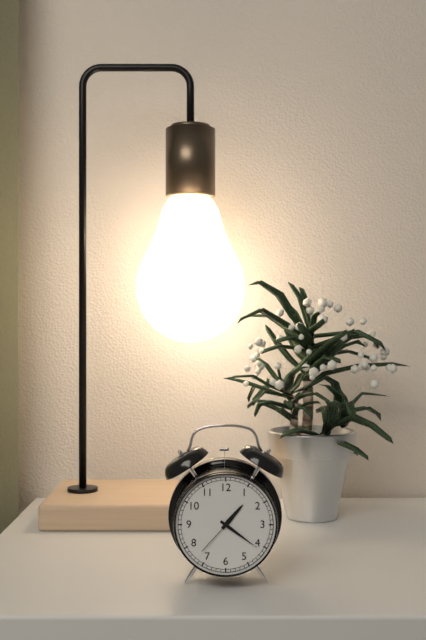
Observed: 1h21
